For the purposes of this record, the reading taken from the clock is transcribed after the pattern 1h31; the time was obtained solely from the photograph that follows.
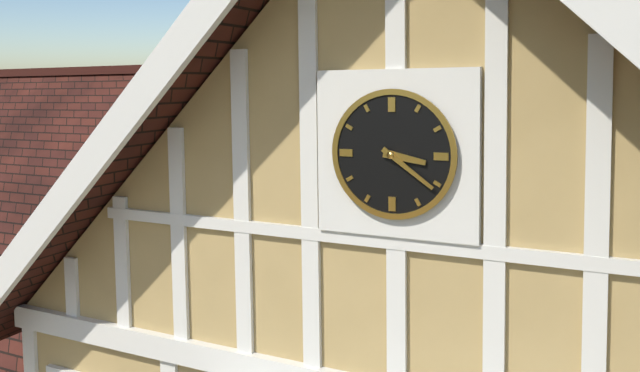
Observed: 3h21
